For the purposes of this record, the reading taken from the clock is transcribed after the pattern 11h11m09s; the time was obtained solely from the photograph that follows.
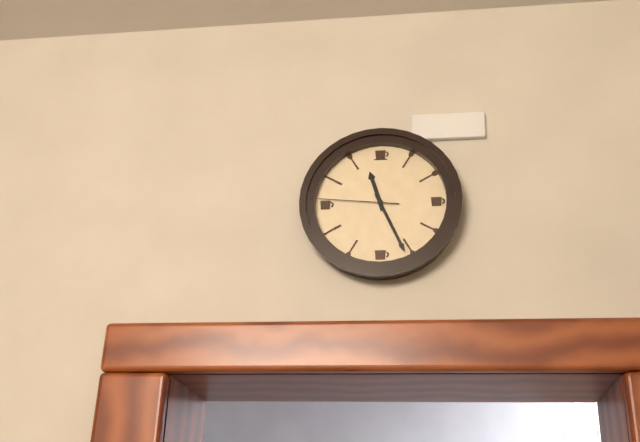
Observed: 11h26m46s
